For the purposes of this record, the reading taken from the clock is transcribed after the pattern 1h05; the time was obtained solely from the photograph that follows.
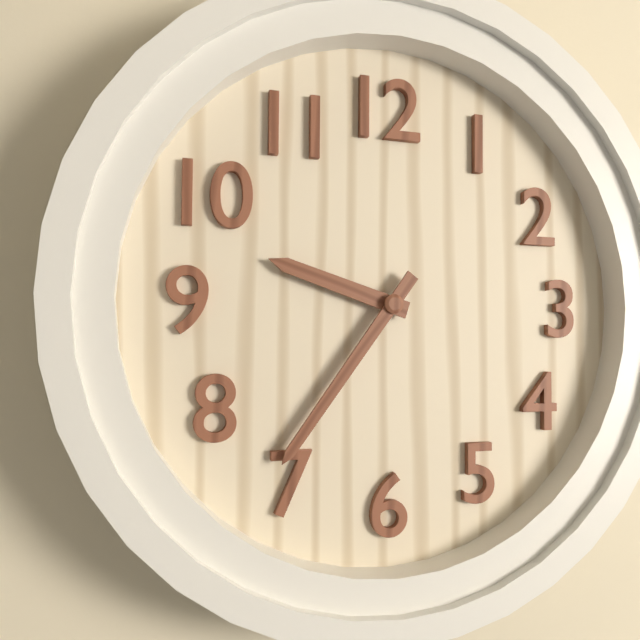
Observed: 9h36
